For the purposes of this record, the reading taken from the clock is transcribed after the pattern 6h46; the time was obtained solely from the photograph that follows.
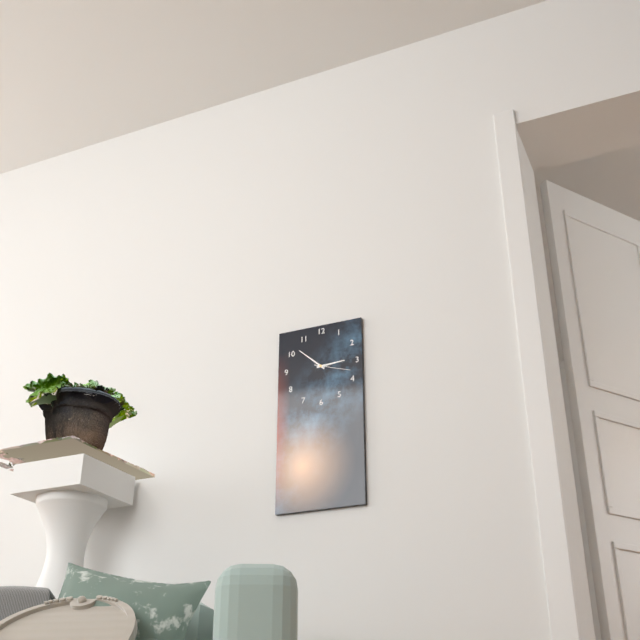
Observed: 2h52
